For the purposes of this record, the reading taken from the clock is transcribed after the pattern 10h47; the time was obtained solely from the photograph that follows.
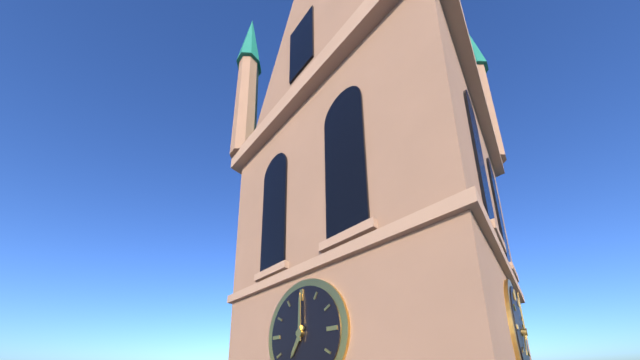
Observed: 7h00
